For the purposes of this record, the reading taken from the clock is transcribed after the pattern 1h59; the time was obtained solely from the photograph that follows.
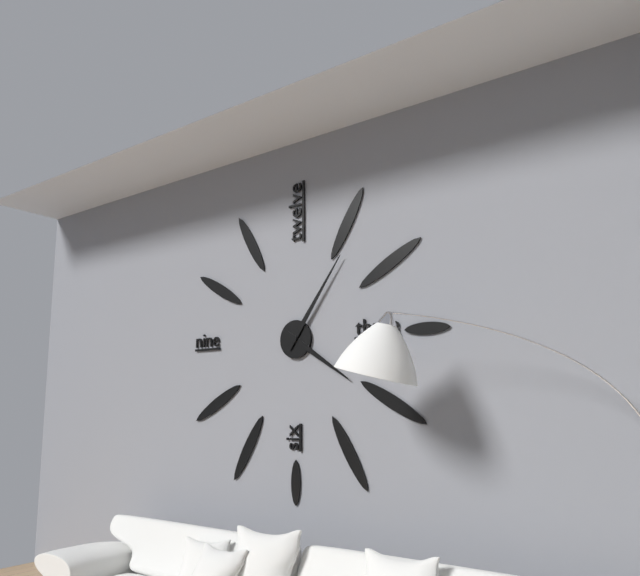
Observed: 4h06
